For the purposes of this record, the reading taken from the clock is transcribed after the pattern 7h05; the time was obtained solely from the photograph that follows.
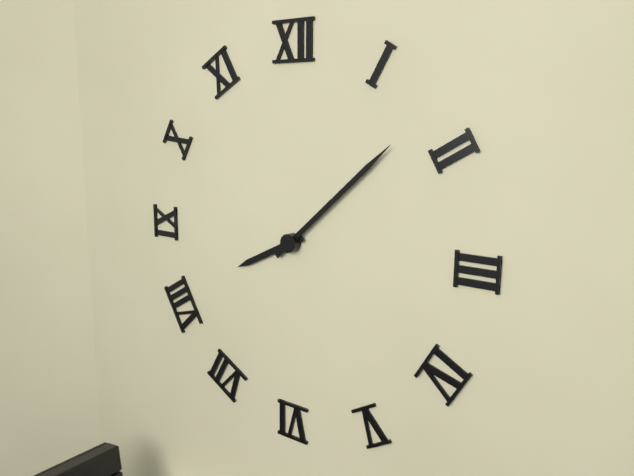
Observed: 8h08
